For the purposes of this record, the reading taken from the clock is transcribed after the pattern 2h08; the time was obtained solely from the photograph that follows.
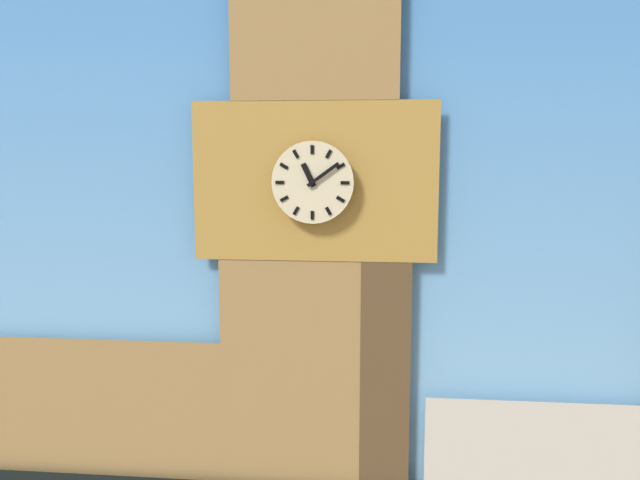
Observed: 11h09
